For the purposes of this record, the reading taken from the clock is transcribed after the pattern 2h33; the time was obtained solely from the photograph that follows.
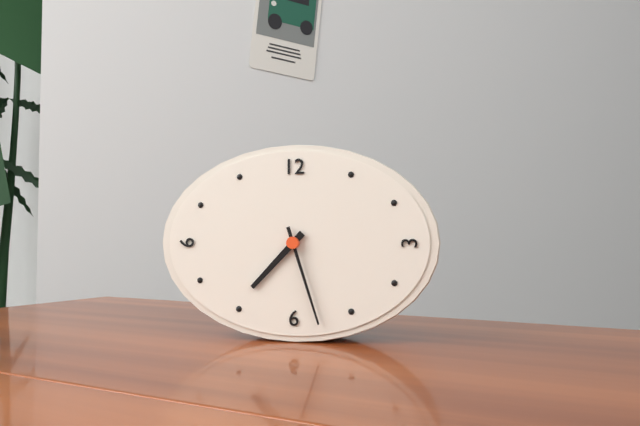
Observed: 7h27
